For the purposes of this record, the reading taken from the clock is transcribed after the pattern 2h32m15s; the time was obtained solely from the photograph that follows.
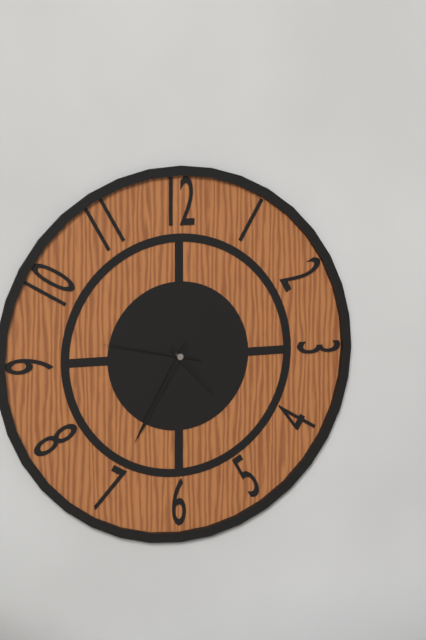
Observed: 4h35m47s
